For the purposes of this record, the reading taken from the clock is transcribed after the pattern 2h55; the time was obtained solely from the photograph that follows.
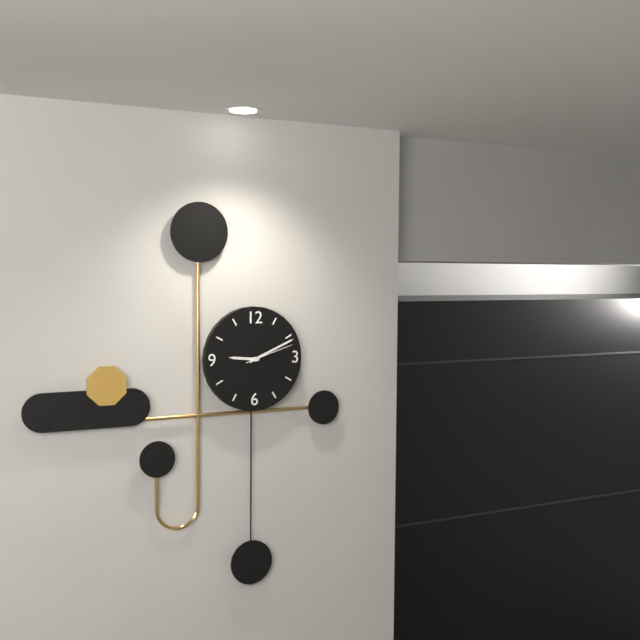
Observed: 9h11
